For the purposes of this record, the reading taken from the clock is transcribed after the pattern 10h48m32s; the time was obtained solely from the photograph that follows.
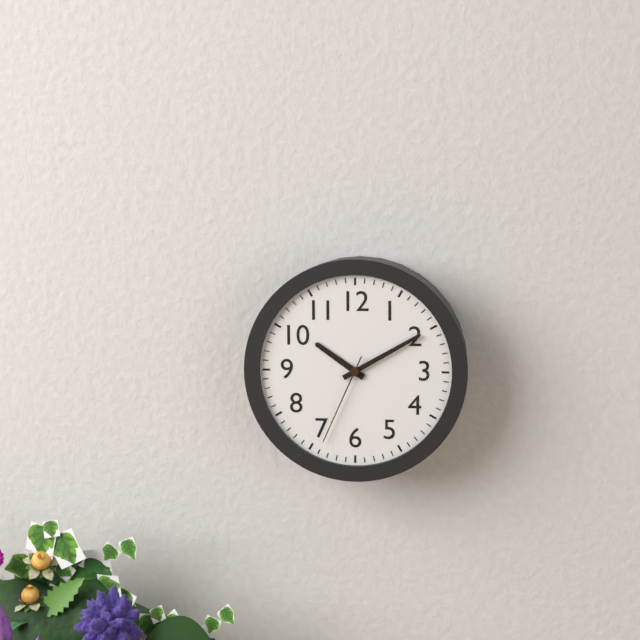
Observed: 10h10m34s
